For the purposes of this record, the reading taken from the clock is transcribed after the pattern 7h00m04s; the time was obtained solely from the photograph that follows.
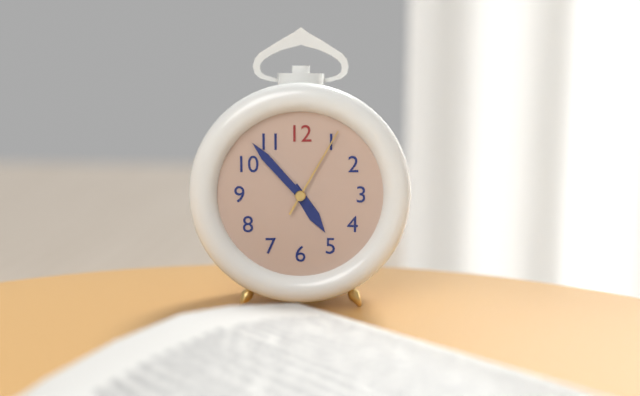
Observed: 4h53m05s
